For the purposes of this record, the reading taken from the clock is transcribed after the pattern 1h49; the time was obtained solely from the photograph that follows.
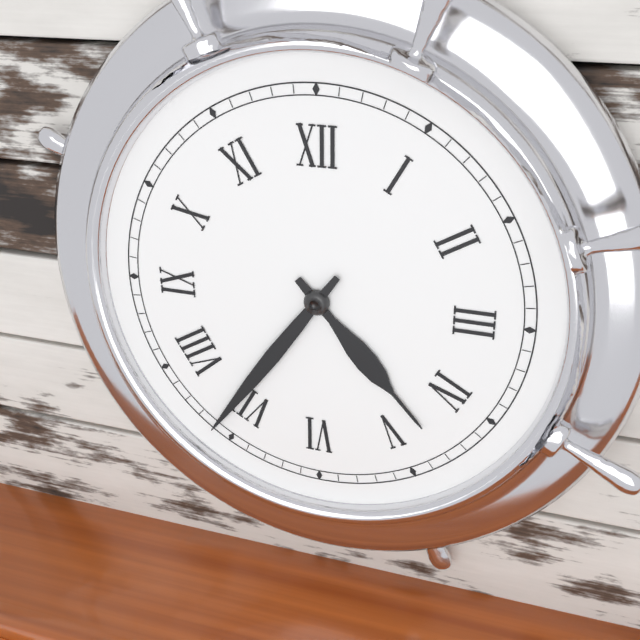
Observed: 4h36
